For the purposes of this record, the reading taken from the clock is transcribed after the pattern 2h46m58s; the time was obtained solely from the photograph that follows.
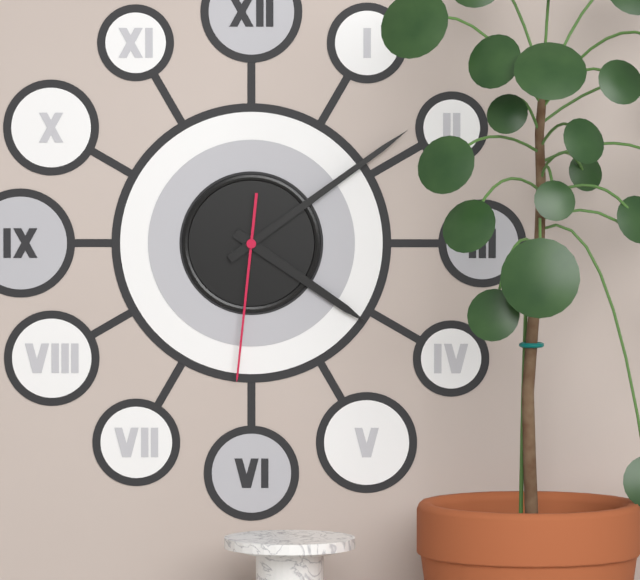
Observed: 4h09m31s
